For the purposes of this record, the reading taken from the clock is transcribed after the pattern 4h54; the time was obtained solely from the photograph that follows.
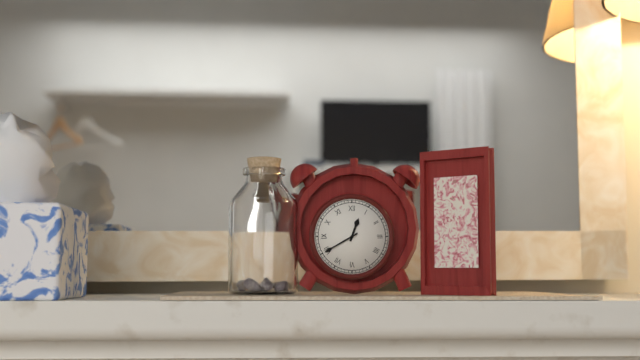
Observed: 12h40
